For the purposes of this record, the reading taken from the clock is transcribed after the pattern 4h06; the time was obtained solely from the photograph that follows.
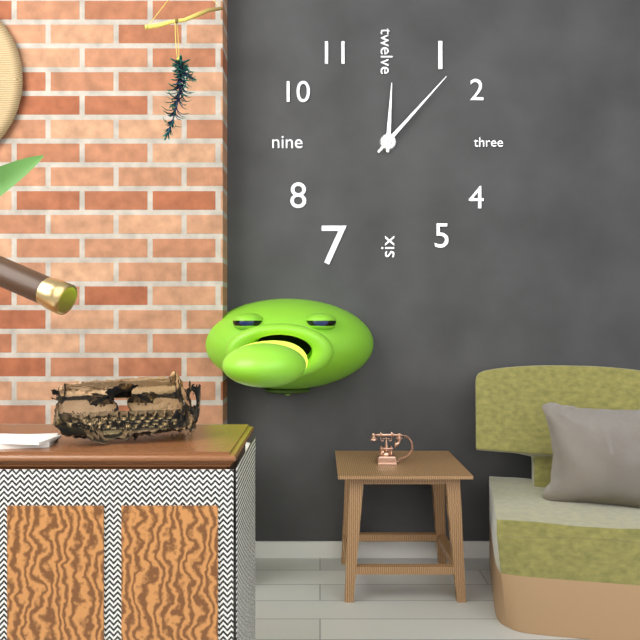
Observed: 12h07
